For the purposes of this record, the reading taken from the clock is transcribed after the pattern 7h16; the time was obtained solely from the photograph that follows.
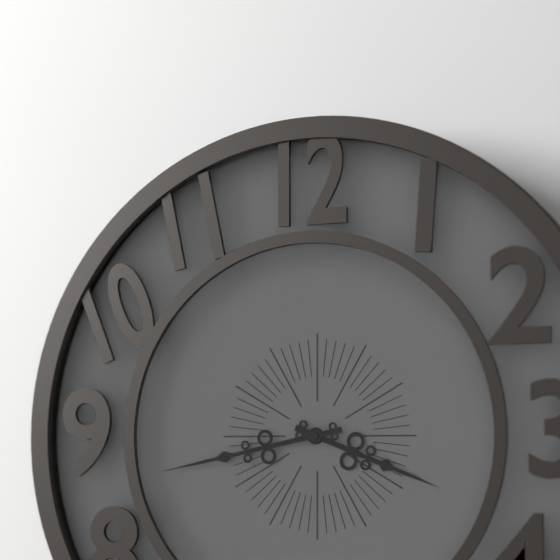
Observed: 3h43
